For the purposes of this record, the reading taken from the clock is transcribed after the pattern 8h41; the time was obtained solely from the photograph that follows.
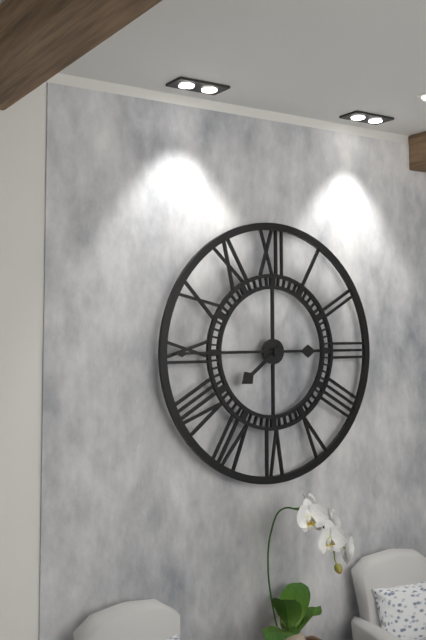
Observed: 7h45
